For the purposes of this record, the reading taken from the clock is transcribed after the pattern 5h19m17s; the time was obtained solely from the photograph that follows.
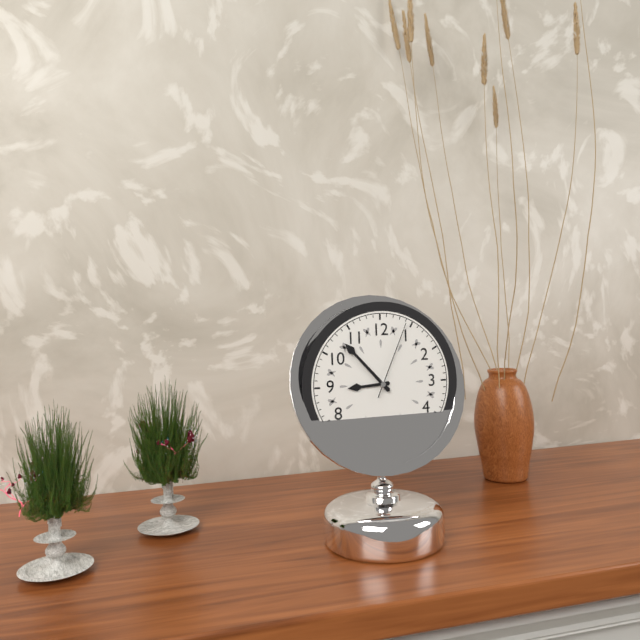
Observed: 8h53m04s
